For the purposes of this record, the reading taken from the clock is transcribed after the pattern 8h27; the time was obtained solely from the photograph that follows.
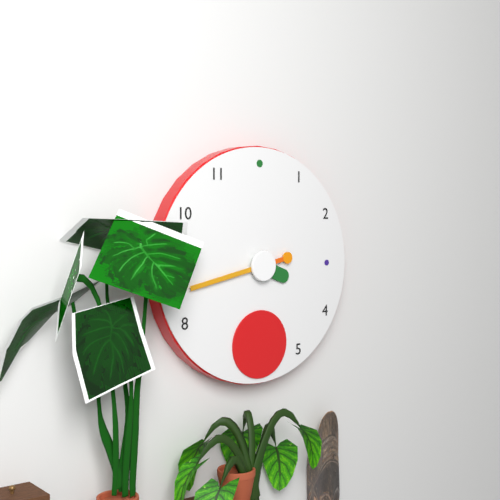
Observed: 3h43
